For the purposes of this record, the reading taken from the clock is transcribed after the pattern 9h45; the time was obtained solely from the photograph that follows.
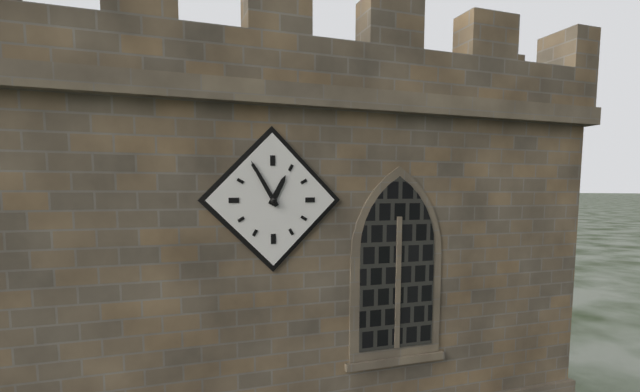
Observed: 12h55
